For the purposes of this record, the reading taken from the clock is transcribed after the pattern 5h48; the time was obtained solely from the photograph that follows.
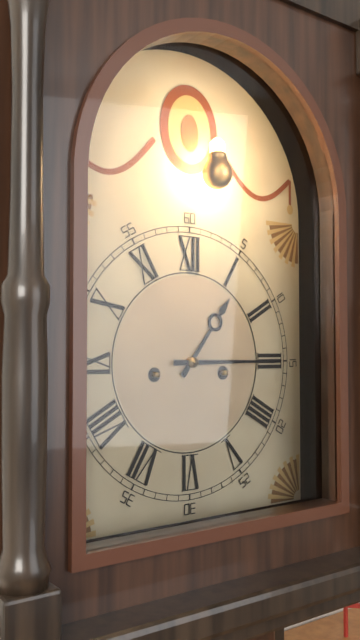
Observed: 1h15
